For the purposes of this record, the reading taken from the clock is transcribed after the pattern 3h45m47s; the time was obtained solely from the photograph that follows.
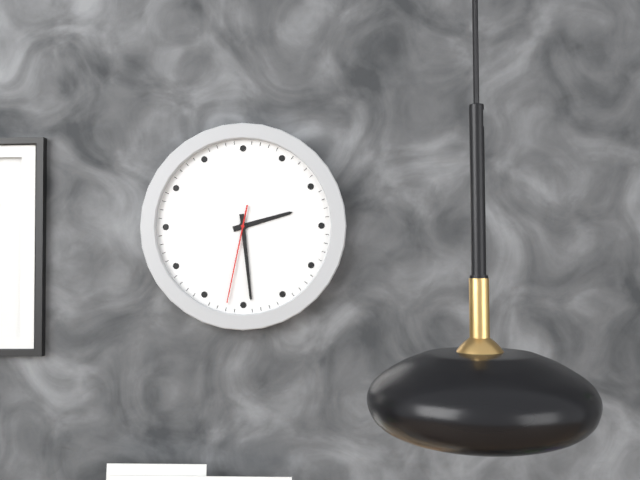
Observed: 2h29m32s
